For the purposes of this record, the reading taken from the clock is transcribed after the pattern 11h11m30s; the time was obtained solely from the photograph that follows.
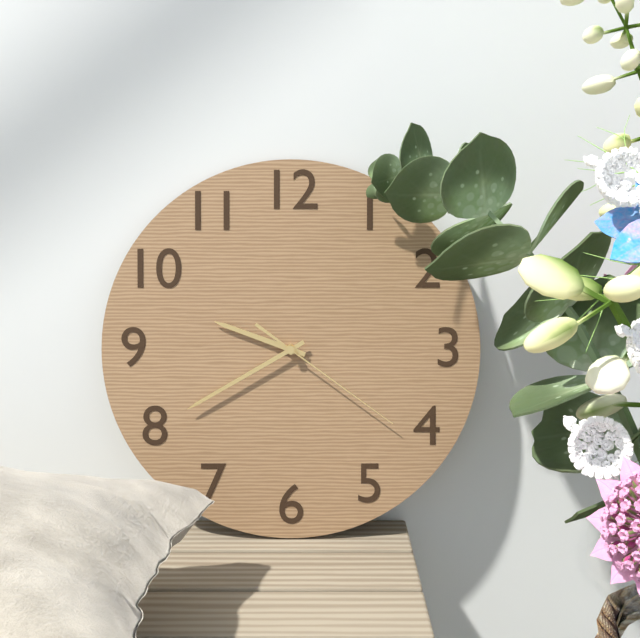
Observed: 9h40m21s
